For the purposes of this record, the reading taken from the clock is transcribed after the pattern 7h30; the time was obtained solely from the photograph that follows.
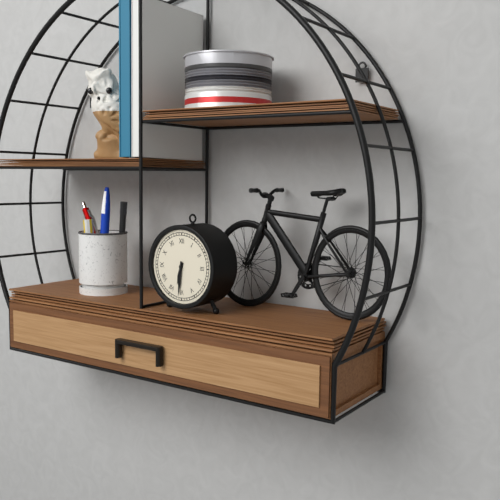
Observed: 6h31
